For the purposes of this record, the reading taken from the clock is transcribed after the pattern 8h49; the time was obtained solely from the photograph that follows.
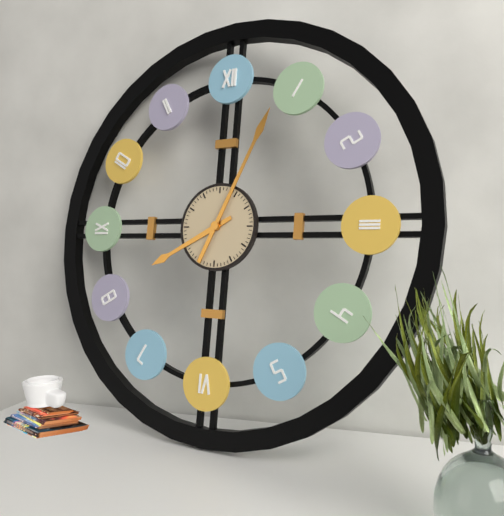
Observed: 8h04
